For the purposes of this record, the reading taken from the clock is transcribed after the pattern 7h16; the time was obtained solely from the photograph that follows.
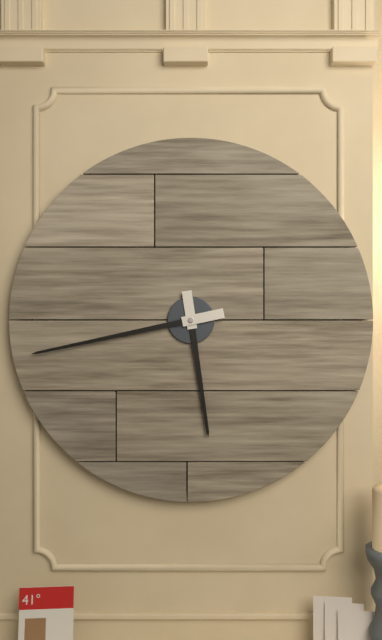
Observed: 5h43
